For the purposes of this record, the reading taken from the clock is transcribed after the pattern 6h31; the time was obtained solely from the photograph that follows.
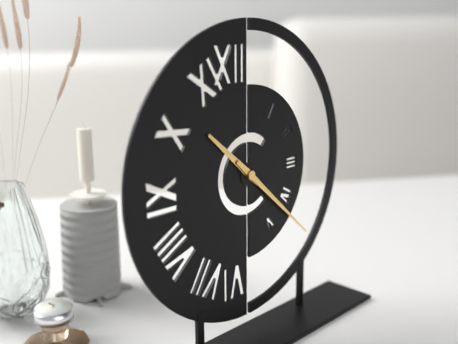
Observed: 10h22
